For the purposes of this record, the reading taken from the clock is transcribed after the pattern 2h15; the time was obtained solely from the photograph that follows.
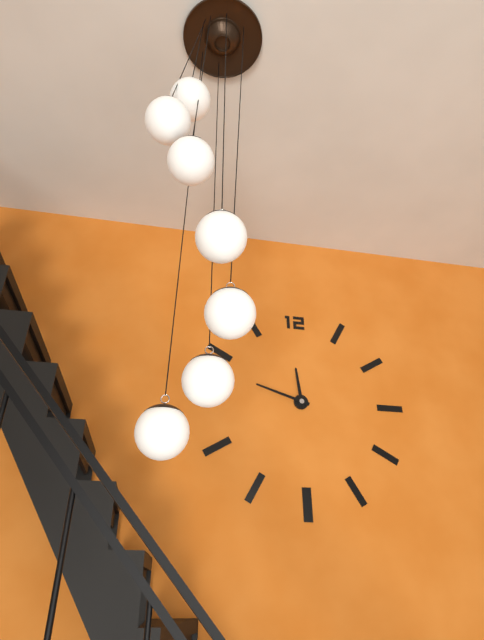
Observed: 11h48
